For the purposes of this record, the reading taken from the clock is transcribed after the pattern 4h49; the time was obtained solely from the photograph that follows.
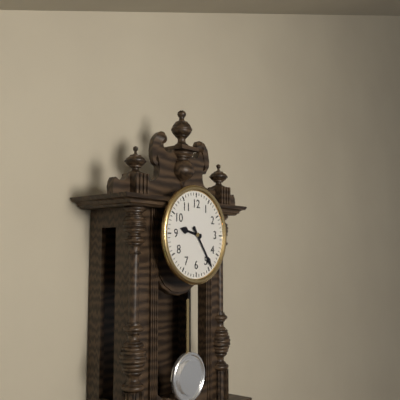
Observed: 9h24
